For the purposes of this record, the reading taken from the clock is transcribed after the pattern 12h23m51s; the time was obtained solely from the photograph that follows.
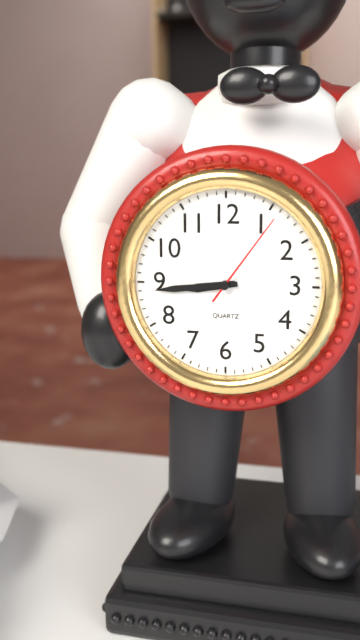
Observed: 8h44m06s
